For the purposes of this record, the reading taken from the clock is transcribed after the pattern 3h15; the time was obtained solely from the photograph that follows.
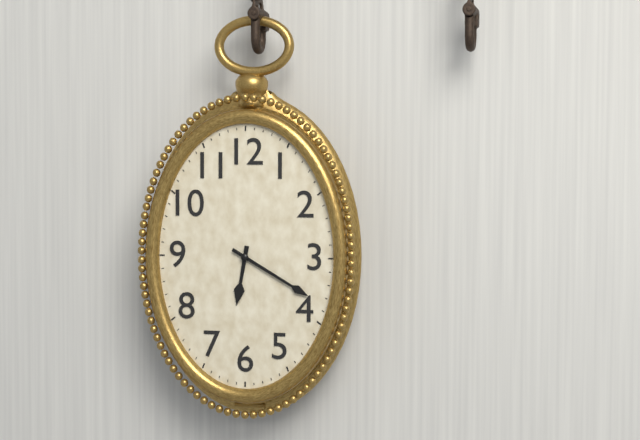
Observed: 6h20
